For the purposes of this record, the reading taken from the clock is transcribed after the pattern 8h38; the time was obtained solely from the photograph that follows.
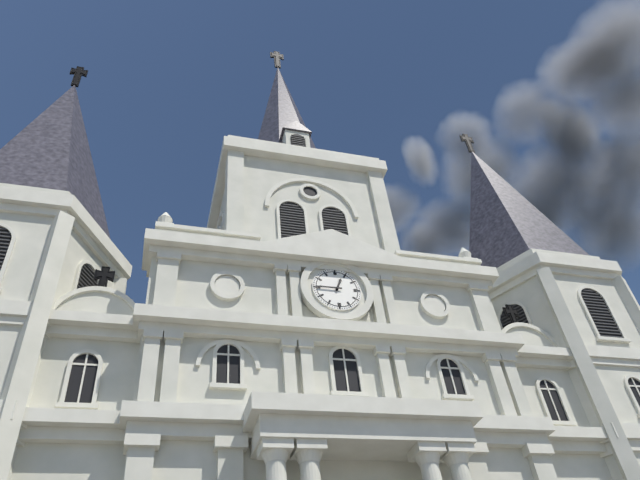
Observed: 12h45
